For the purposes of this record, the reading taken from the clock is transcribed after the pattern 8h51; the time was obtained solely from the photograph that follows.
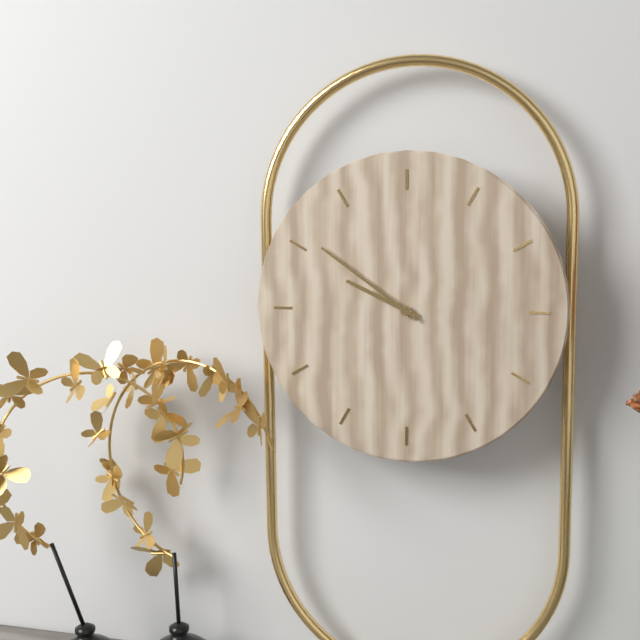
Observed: 9h51
